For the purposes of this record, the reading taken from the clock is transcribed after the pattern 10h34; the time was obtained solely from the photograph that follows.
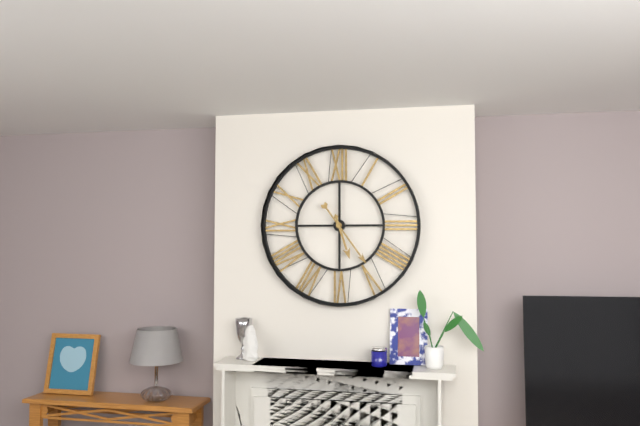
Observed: 5h24
